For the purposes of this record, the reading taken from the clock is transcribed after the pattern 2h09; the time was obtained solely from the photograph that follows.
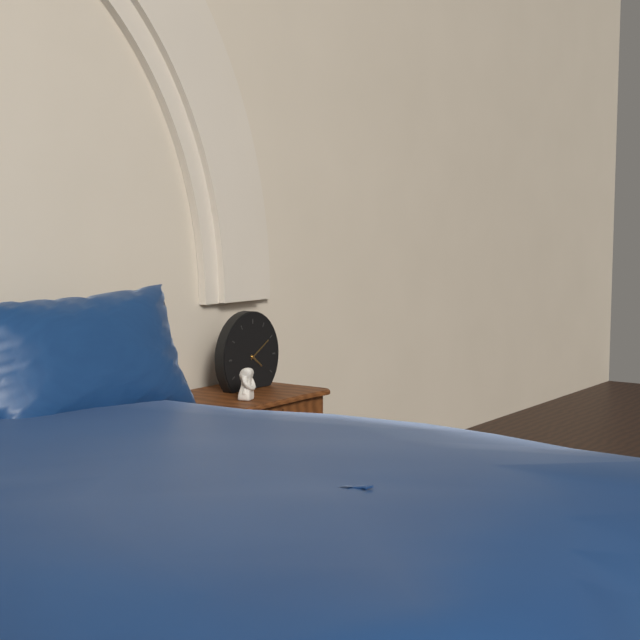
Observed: 4h10
